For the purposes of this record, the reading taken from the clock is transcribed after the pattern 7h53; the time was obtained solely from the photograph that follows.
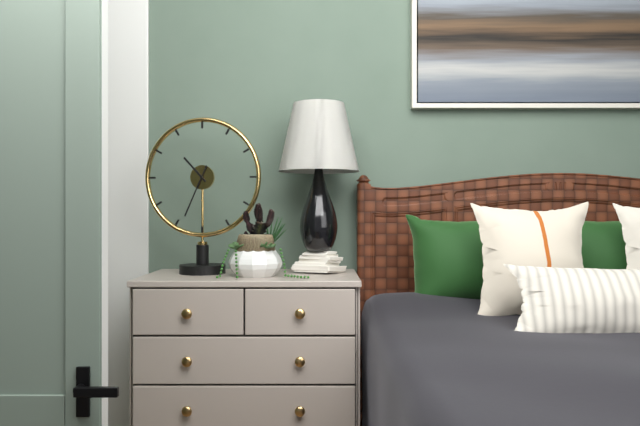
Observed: 10h34
